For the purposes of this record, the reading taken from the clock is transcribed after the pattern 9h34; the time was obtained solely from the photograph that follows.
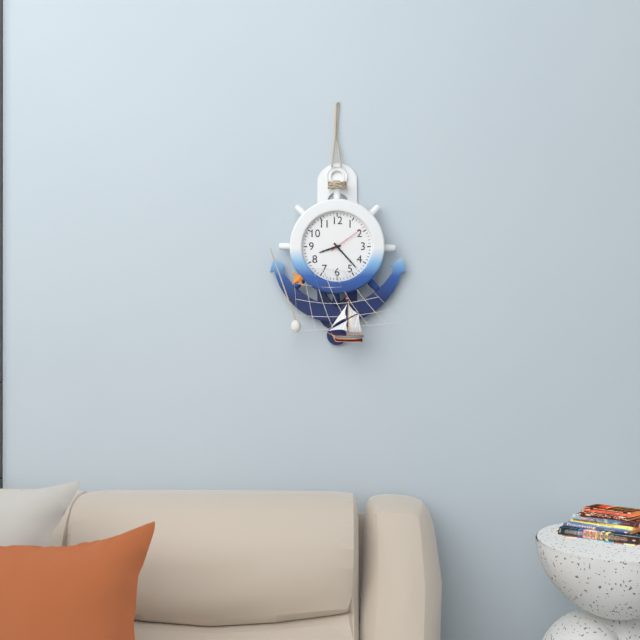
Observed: 8h23
